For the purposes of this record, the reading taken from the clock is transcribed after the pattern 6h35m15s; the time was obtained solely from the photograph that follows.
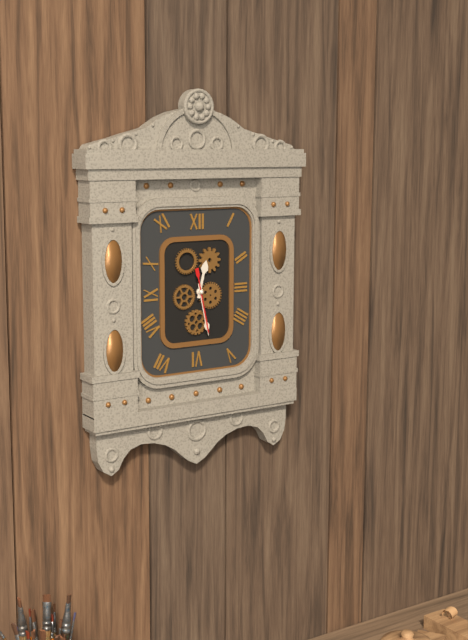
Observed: 12h28m28s
